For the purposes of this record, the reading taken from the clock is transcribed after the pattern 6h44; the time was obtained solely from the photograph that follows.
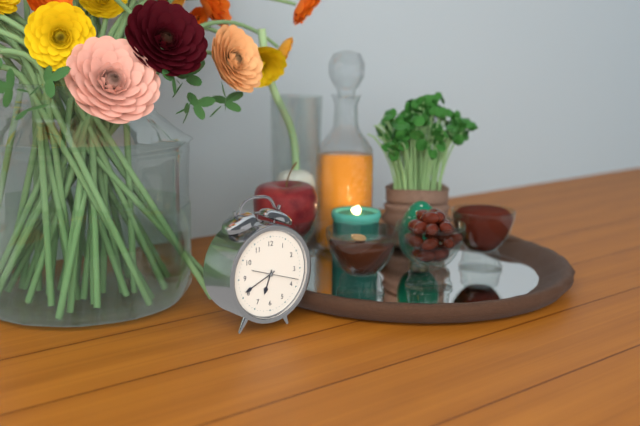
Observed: 6h41
